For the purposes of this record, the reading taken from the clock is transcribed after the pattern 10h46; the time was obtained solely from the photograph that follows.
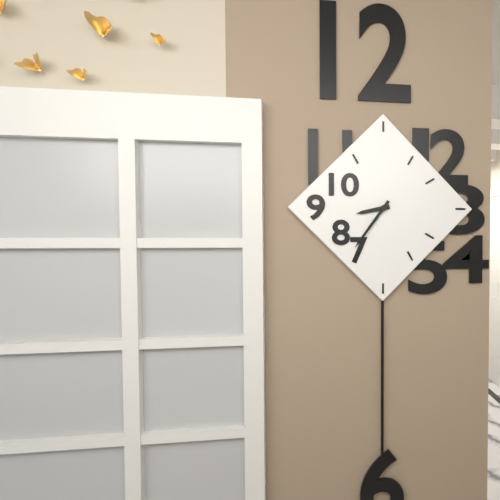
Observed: 8h36
